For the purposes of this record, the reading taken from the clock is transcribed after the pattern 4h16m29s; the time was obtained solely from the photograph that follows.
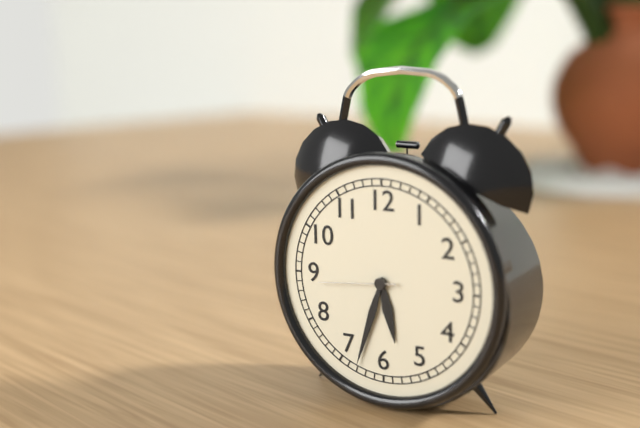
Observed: 5h33m44s
